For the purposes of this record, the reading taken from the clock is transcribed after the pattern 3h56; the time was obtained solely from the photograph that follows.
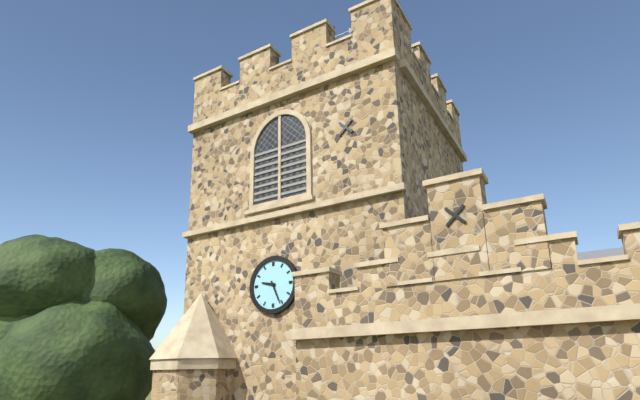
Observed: 9h26
